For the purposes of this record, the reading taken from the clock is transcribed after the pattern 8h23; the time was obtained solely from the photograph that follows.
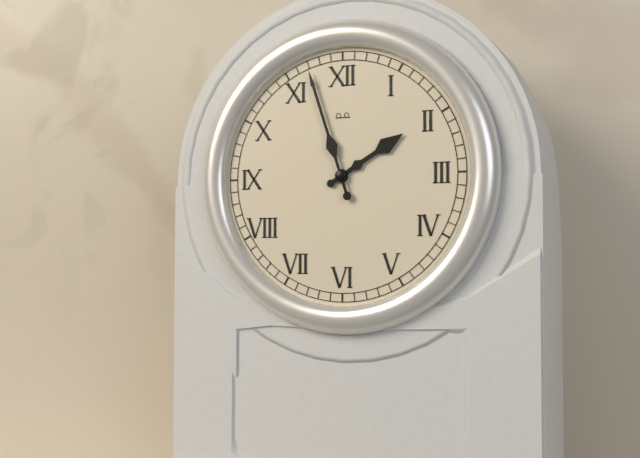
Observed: 1h57
